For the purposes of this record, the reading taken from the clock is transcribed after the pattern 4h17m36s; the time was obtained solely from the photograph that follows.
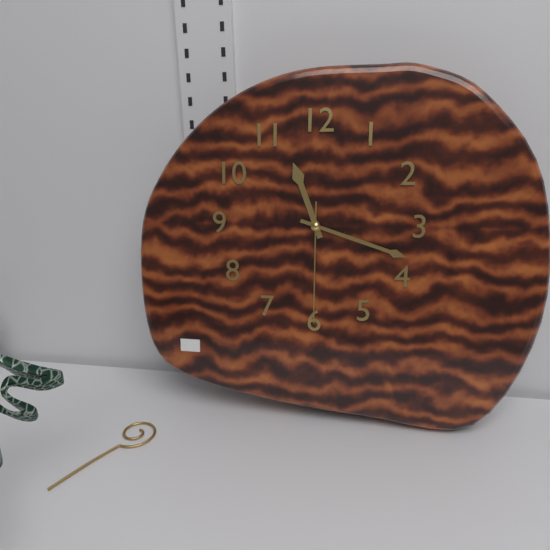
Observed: 11h18m30s
